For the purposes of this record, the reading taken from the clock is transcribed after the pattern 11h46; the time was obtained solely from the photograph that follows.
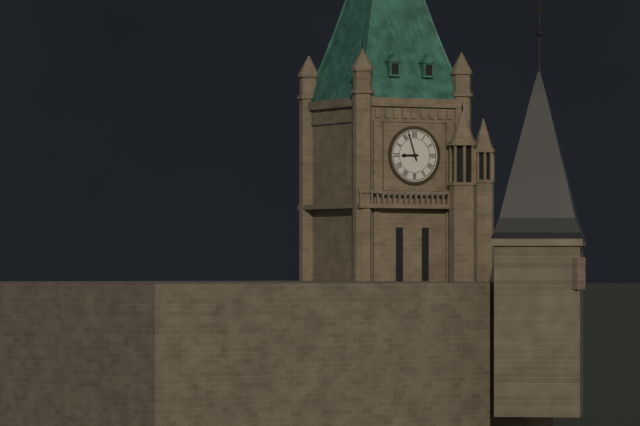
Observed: 8h57
